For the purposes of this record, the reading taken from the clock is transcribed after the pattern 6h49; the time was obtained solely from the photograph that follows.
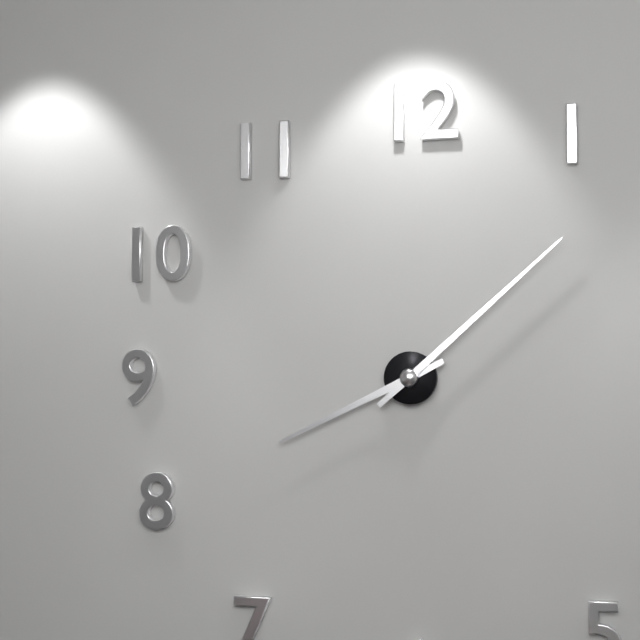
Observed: 8h08
